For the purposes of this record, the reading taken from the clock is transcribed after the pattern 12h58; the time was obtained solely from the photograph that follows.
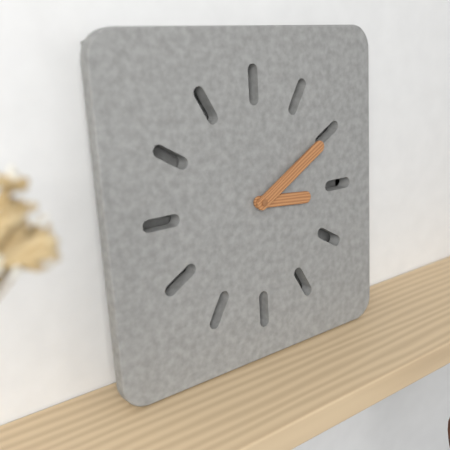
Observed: 3h10
